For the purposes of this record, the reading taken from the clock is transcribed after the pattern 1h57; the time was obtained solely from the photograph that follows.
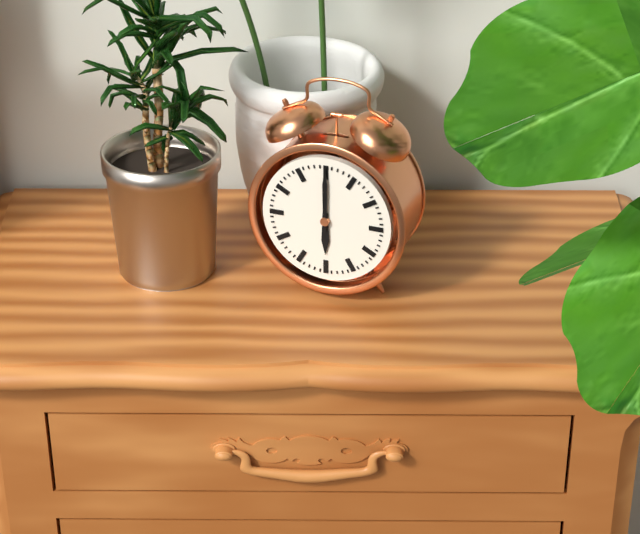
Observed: 6h00
